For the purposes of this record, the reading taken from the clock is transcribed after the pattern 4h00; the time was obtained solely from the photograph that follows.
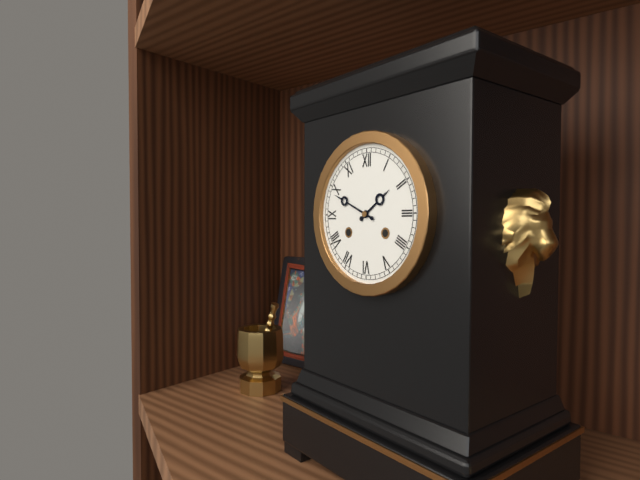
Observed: 1h49
